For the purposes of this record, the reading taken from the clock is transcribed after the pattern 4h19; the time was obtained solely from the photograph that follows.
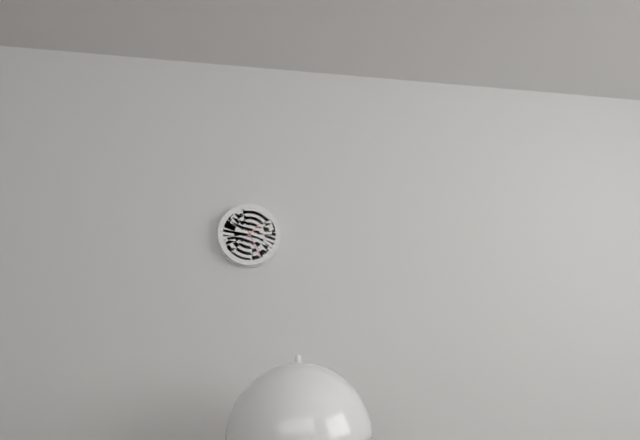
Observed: 1h26
